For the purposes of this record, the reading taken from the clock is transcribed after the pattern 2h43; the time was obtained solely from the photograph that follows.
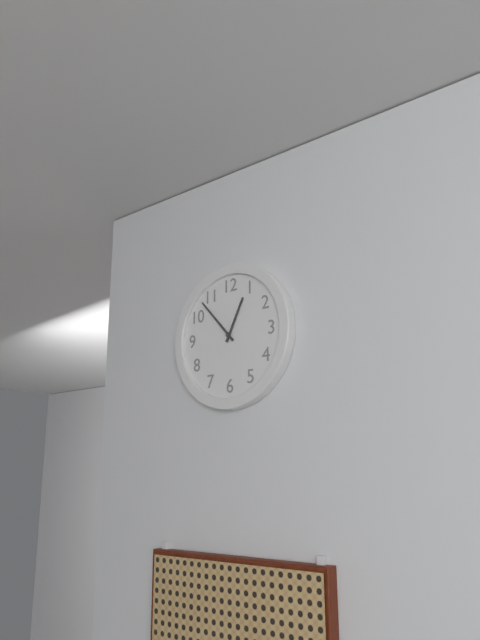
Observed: 12h53
